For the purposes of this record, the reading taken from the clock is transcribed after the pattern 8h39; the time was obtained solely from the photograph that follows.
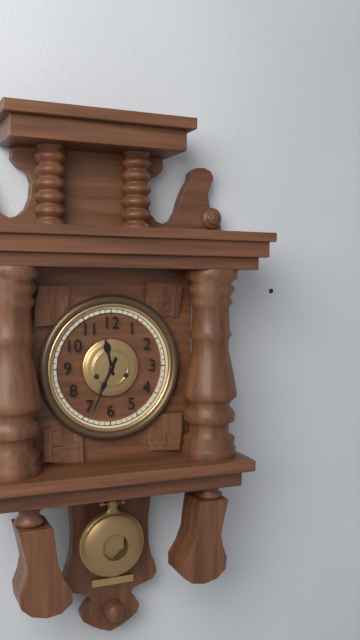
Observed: 11h34
